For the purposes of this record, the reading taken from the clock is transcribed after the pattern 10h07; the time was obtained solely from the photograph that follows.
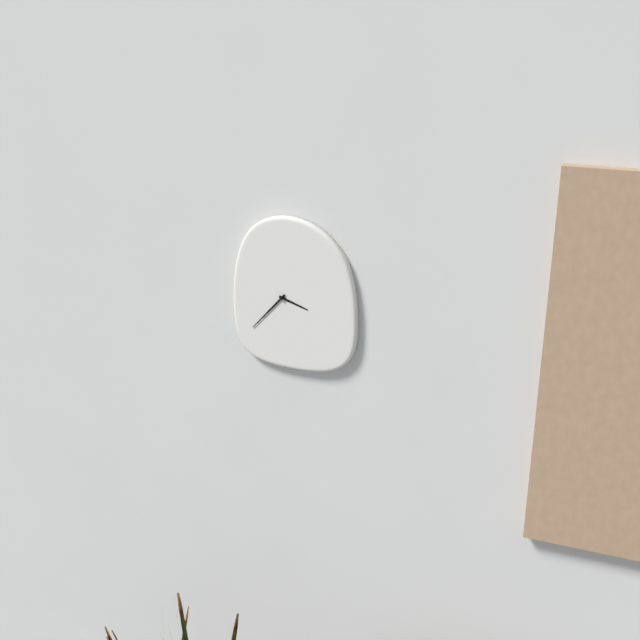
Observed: 3h37
